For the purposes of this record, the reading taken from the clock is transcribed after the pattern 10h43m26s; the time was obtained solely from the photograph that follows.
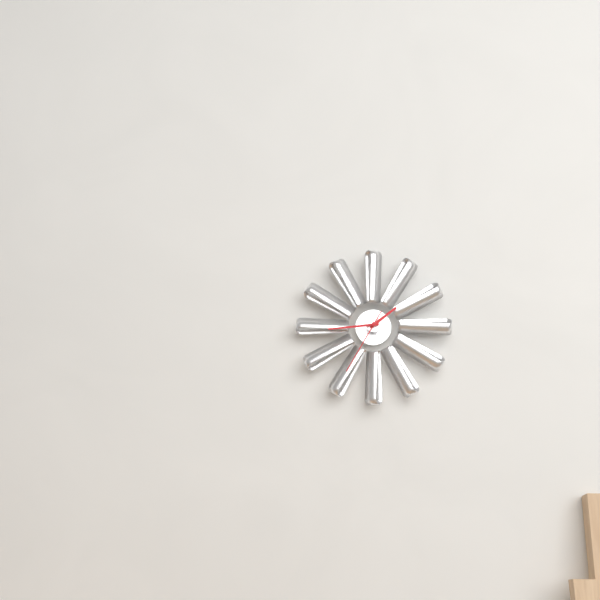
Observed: 1h44m35s
